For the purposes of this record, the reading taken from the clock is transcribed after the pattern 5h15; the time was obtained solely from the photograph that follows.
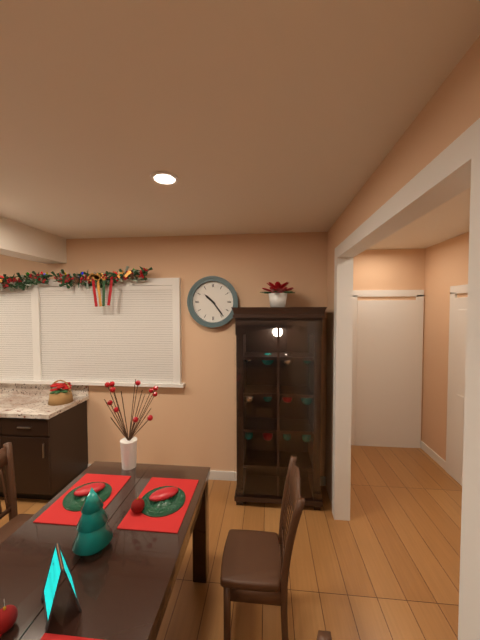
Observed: 10h24
